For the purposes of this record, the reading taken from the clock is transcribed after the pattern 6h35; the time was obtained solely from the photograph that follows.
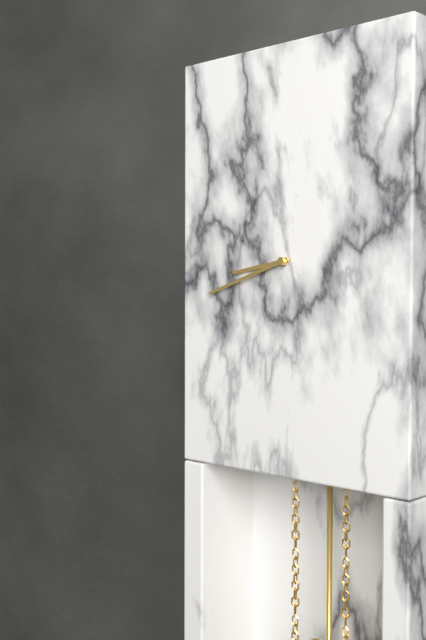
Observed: 8h42
